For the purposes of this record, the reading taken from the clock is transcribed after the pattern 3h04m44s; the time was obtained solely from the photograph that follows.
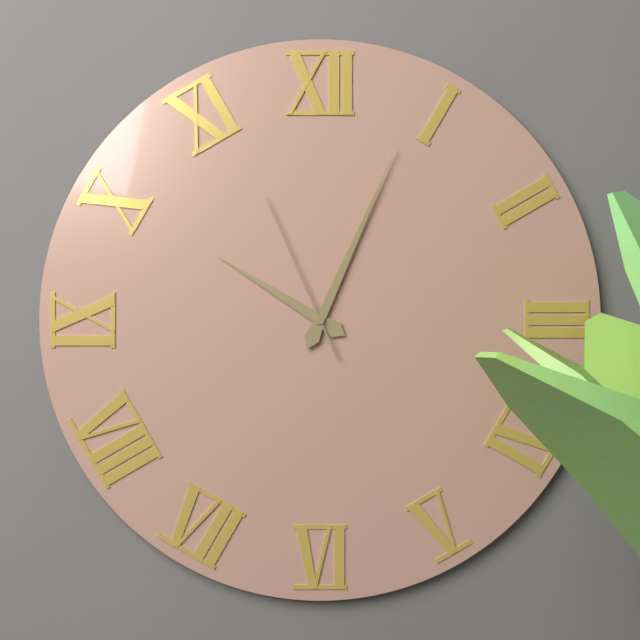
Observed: 10h04m56s
